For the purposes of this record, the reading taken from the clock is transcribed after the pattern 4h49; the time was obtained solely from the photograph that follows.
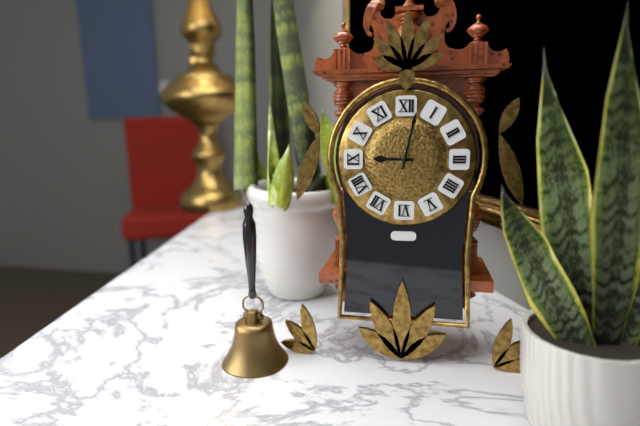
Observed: 9h02
